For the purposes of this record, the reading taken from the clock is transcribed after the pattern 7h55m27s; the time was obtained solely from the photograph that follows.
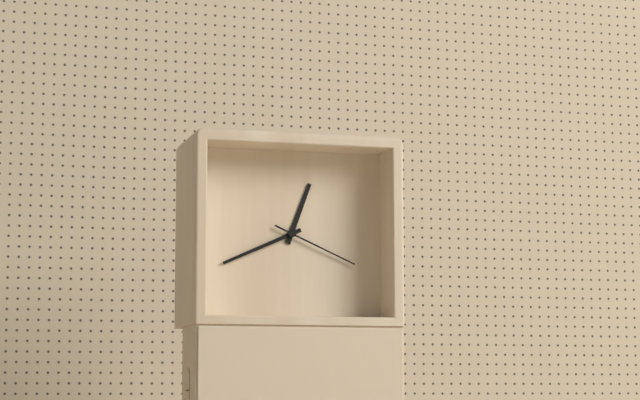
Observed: 12h41m19s
